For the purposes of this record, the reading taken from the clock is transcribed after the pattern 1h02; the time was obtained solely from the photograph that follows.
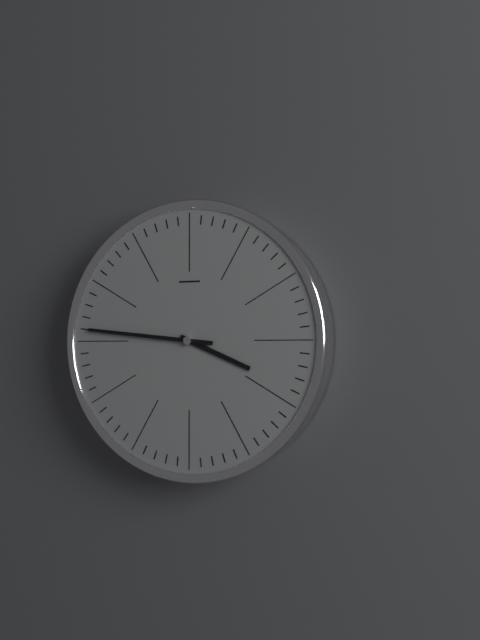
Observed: 3h46
